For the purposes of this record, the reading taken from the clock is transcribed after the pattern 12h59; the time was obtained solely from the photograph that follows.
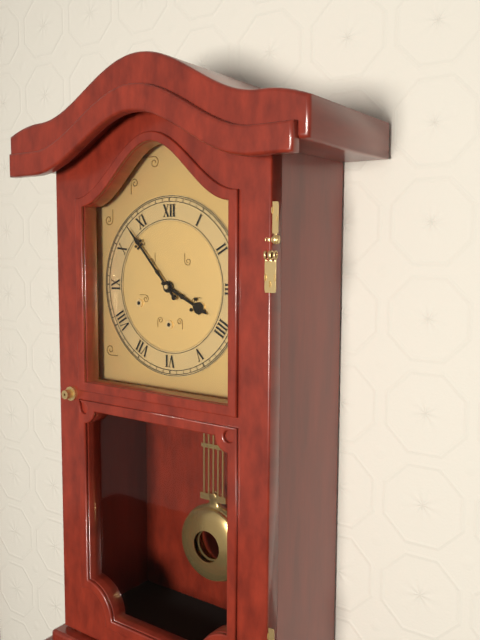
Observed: 3h53
